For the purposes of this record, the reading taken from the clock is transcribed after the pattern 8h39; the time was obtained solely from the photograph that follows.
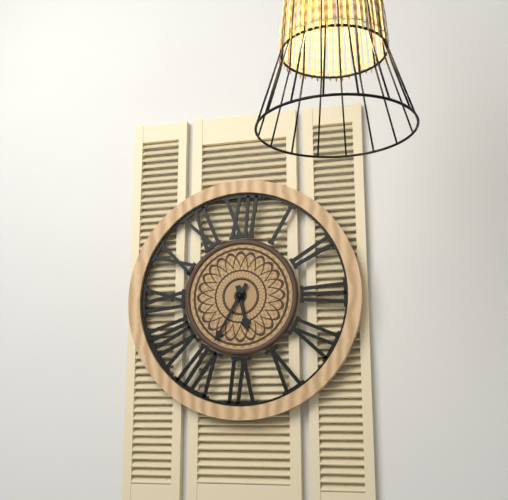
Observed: 5h35
